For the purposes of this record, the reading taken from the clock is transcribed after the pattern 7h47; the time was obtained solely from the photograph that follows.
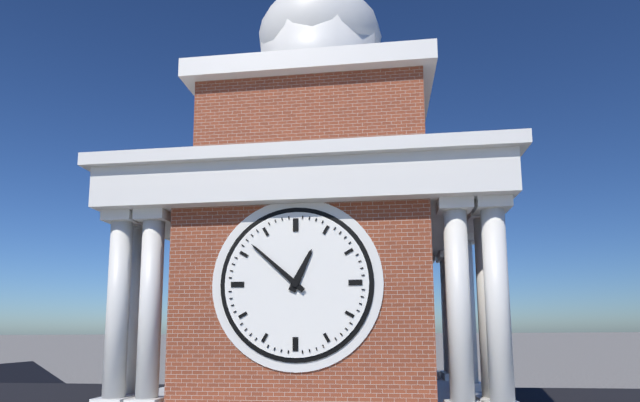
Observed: 12h52
